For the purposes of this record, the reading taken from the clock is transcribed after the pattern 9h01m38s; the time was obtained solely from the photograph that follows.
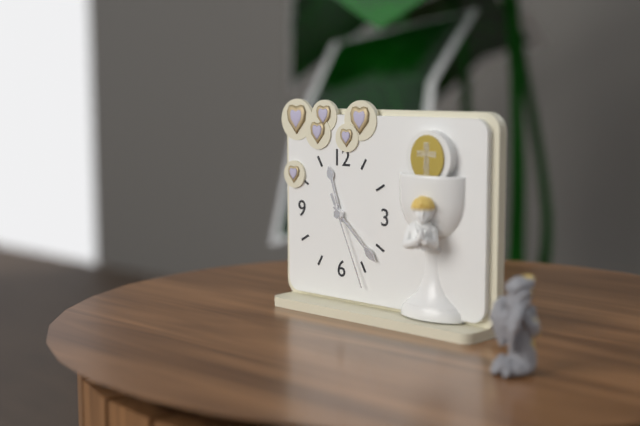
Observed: 11h22m26s
